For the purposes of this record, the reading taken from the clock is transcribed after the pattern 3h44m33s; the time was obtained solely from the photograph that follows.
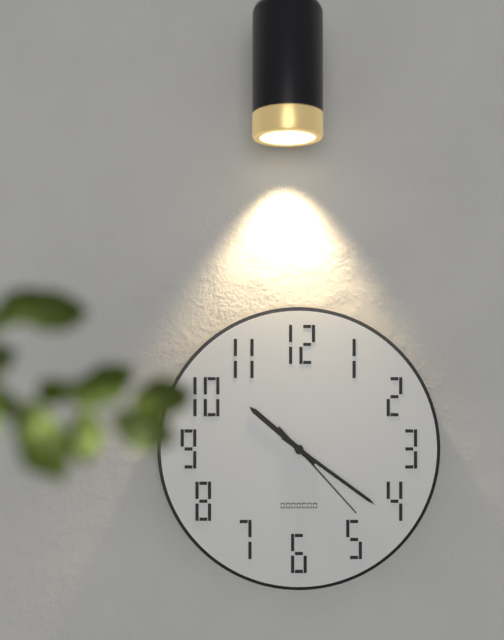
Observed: 10h21m23s
